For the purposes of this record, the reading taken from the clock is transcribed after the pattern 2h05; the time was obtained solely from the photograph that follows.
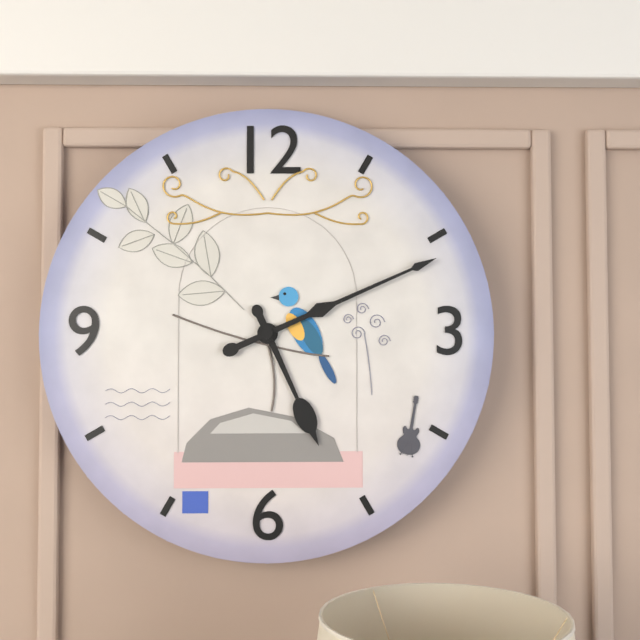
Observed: 5h11
